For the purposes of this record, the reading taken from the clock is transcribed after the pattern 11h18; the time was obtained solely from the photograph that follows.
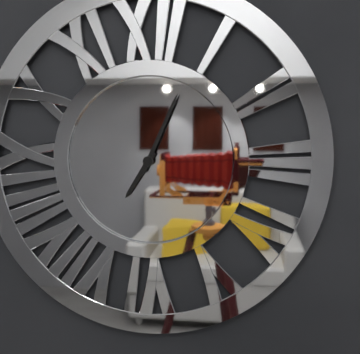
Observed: 7h04
